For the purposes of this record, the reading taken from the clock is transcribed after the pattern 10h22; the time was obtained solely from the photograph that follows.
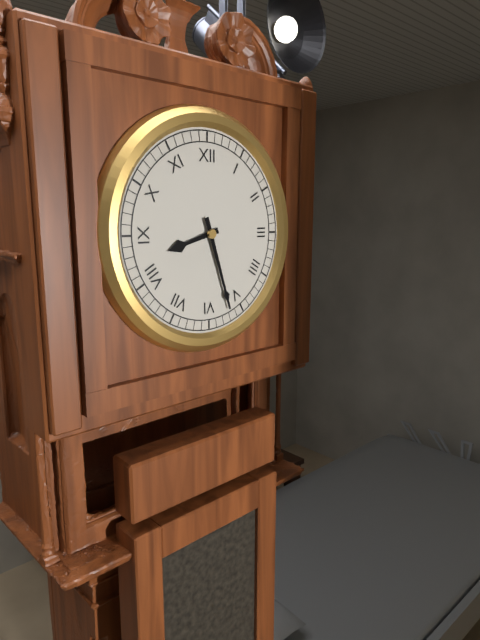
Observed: 8h27
